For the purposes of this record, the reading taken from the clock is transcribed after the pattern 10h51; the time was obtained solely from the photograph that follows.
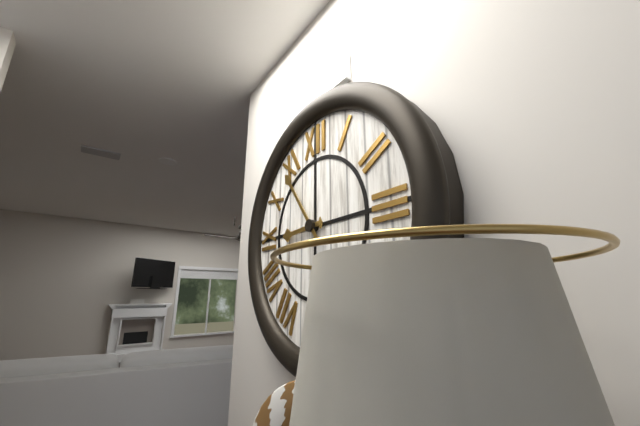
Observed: 8h54
